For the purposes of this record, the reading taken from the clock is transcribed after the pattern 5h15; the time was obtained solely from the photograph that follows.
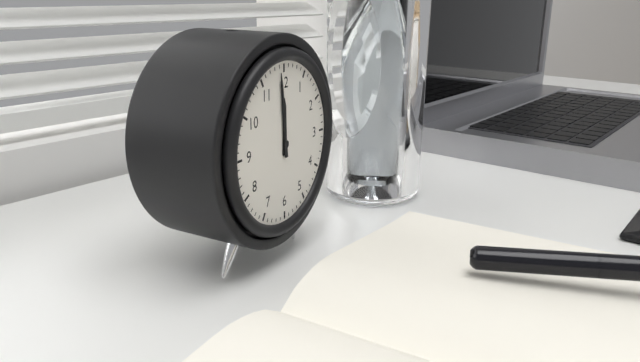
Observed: 11h59
